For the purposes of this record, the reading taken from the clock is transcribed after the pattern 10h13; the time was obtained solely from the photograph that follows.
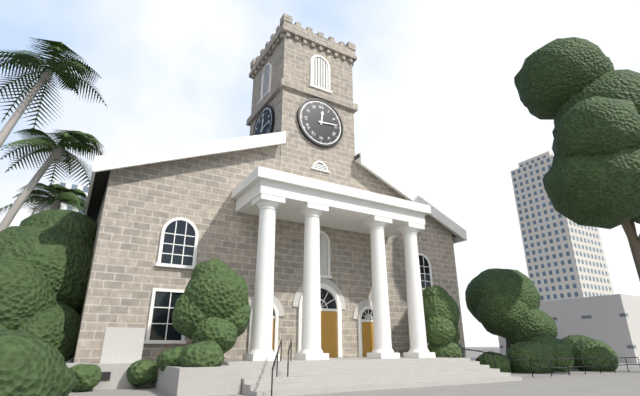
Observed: 12h14
